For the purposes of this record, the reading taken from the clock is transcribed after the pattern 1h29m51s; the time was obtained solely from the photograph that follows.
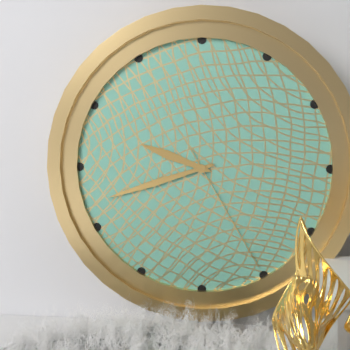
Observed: 9h42m25s
